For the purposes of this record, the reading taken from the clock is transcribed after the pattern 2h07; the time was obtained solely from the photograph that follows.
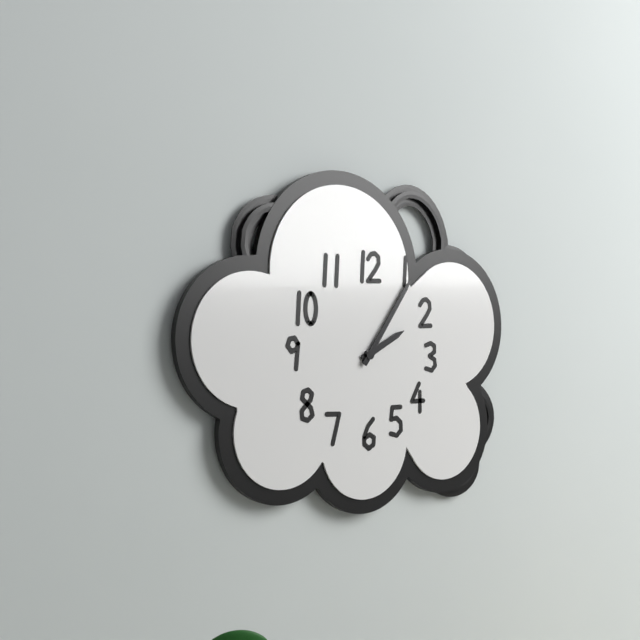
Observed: 2h06
